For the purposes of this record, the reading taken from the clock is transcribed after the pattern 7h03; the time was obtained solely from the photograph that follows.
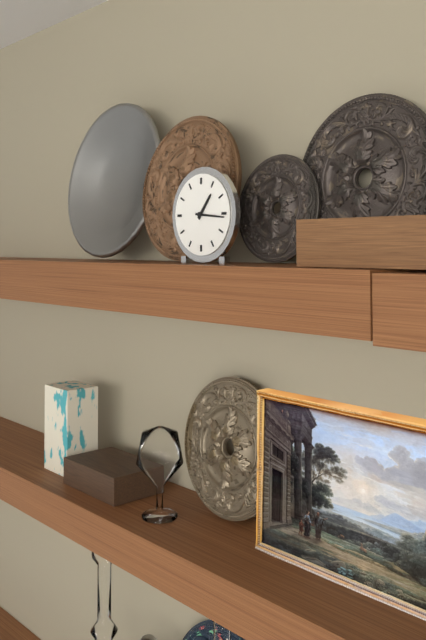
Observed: 1h16
